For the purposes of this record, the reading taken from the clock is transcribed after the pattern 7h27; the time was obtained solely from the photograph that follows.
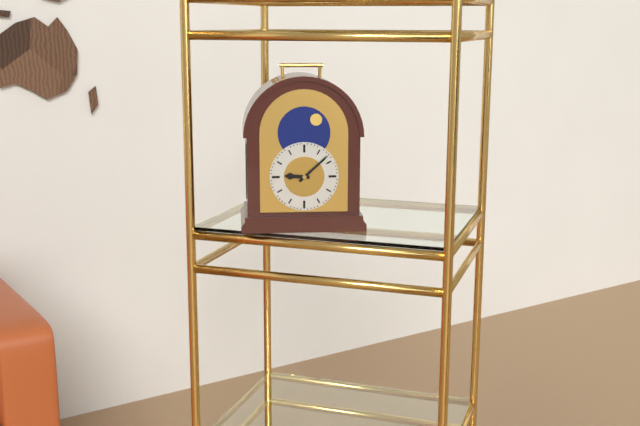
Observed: 9h08
